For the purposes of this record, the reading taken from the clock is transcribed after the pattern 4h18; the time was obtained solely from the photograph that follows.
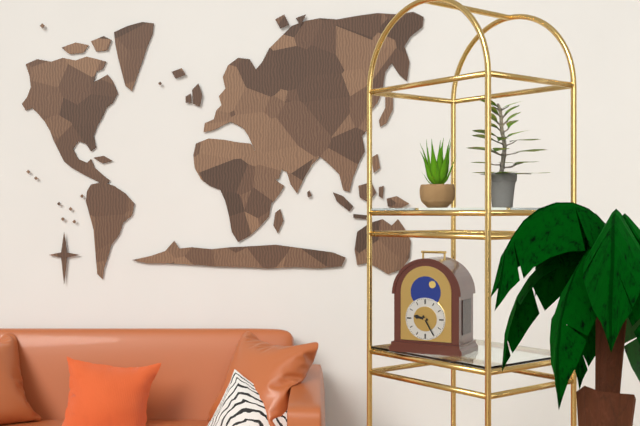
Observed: 9h25
